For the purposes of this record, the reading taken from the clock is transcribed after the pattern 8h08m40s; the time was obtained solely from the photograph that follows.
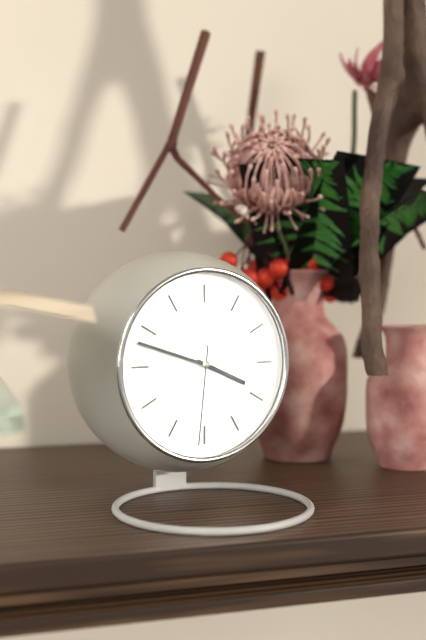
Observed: 3h48m31s
